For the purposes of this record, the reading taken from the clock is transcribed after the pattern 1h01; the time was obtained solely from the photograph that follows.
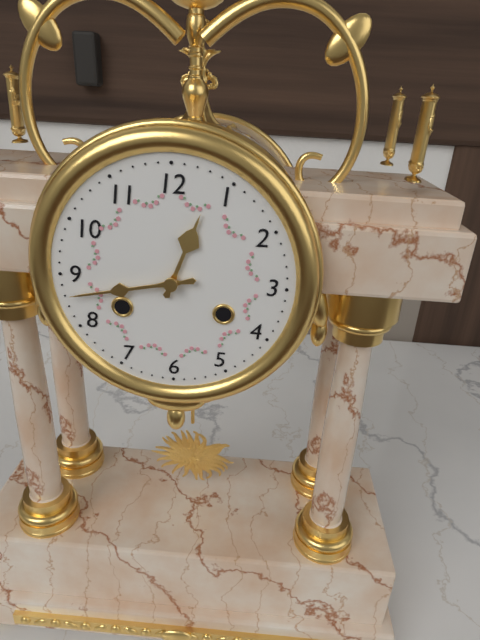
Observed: 12h43
